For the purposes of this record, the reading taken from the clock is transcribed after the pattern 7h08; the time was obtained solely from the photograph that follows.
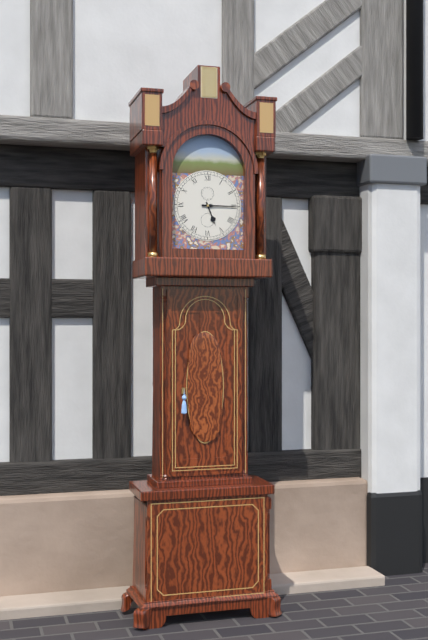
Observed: 5h15
